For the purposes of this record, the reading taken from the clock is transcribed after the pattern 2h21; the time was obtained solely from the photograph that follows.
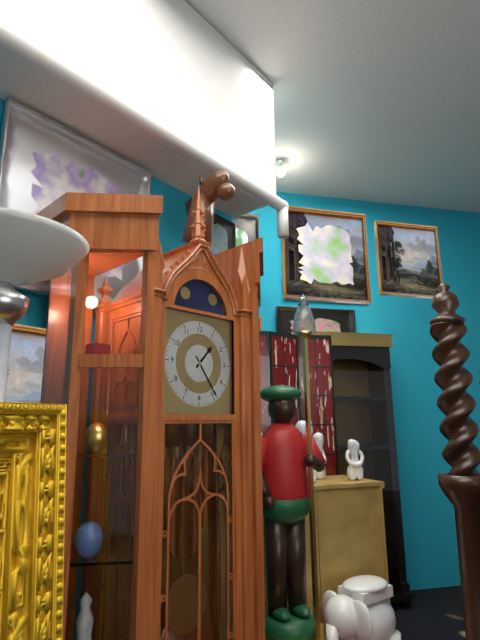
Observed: 1h24
